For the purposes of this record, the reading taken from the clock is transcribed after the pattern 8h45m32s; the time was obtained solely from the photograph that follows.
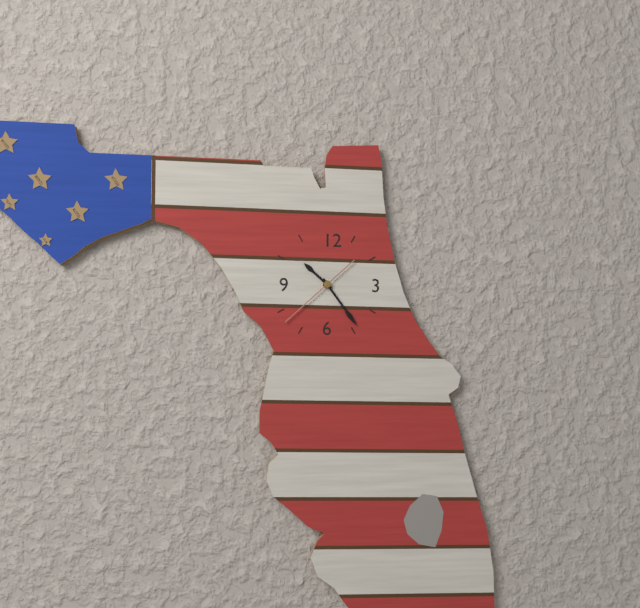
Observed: 10h24m38s
